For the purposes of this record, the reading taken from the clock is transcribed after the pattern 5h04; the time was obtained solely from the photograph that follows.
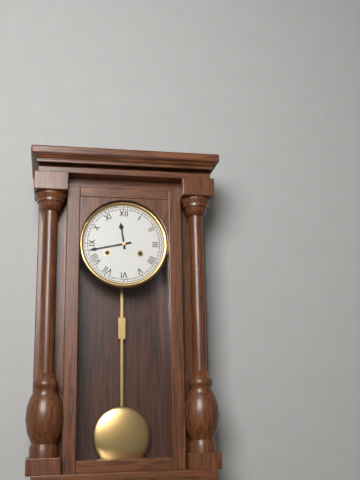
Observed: 11h43
